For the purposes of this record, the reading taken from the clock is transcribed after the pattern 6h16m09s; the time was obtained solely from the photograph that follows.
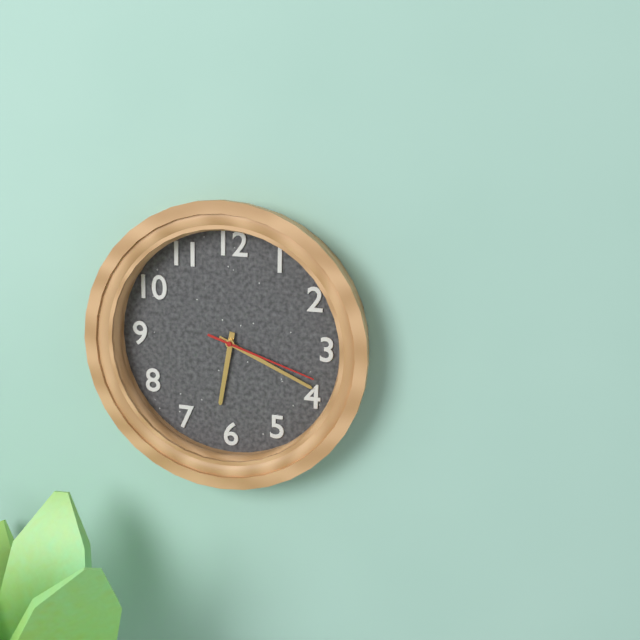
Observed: 6h19m18s
